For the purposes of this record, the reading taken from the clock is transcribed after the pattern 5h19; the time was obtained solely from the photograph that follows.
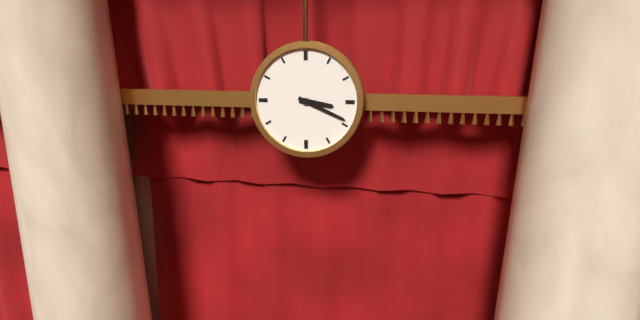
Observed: 3h19
